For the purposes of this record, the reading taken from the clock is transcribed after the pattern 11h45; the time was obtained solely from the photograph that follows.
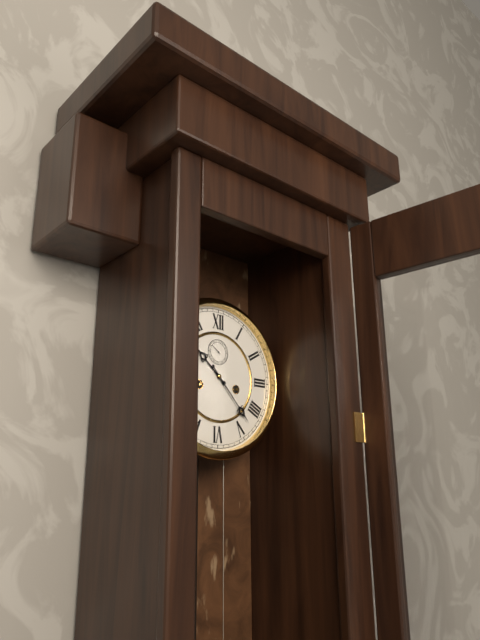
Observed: 10h23
